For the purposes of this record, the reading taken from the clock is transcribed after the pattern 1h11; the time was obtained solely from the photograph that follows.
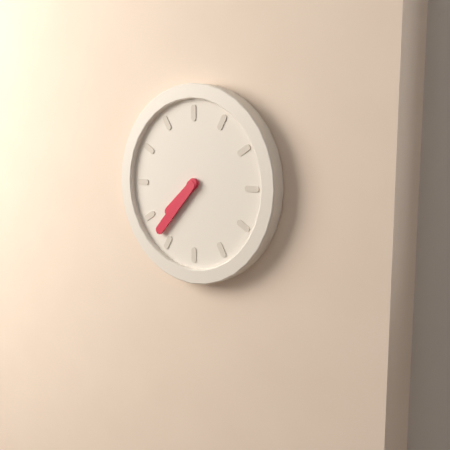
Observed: 7h37
